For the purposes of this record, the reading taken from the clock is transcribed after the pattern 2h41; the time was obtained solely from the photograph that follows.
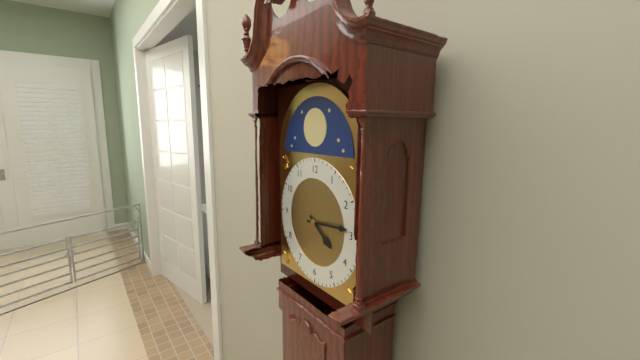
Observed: 4h14
